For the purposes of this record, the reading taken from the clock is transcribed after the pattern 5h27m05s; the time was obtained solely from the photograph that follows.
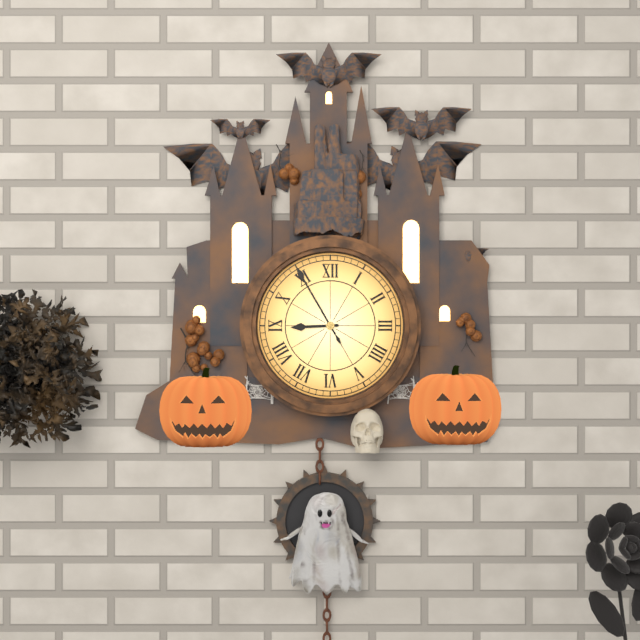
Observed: 8h55m55s
